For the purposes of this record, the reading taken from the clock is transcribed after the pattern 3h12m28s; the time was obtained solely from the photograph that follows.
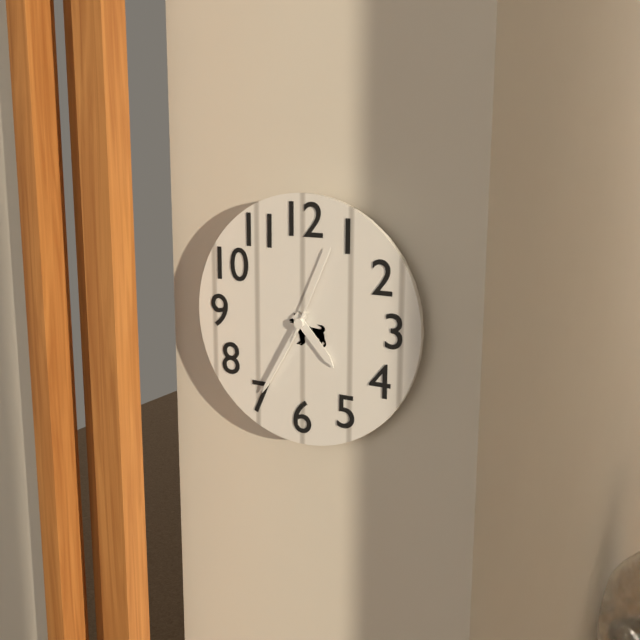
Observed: 4h35m04s
